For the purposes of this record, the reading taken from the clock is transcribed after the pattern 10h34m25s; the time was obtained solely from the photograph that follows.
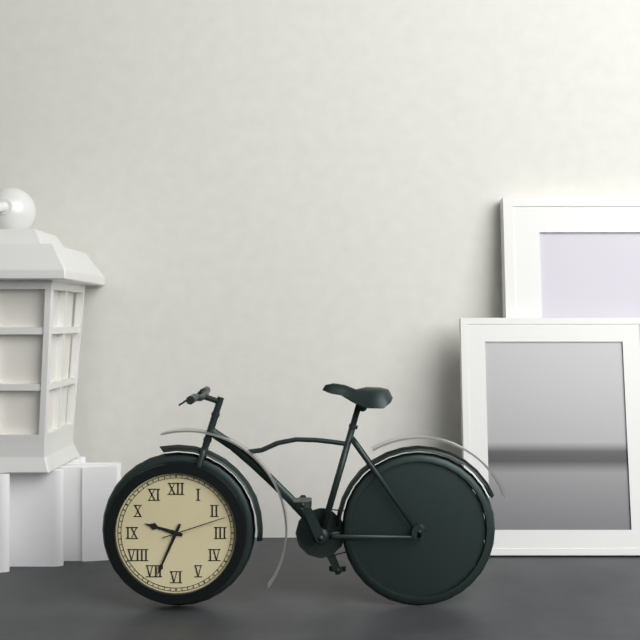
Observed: 9h34m12s
